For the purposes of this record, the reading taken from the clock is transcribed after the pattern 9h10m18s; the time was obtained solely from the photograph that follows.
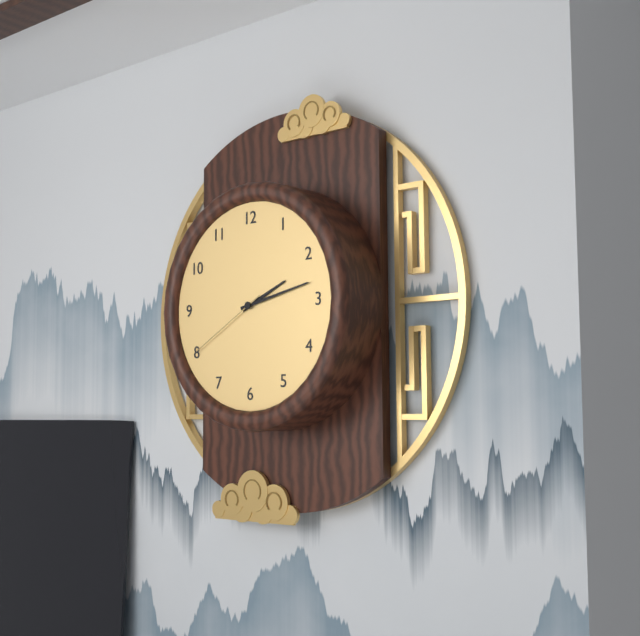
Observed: 2h13m40s
